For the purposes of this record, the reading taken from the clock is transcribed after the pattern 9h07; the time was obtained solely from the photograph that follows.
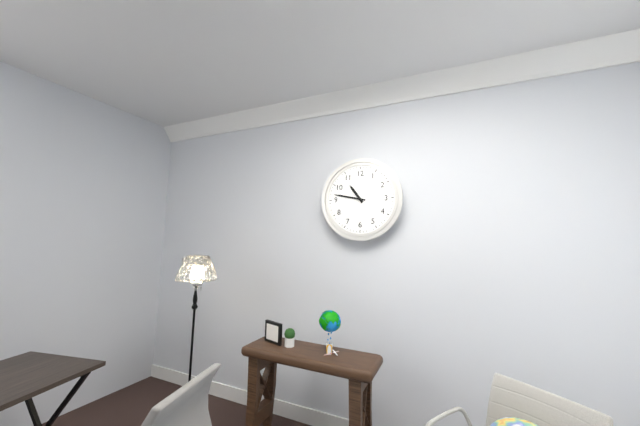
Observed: 10h47
